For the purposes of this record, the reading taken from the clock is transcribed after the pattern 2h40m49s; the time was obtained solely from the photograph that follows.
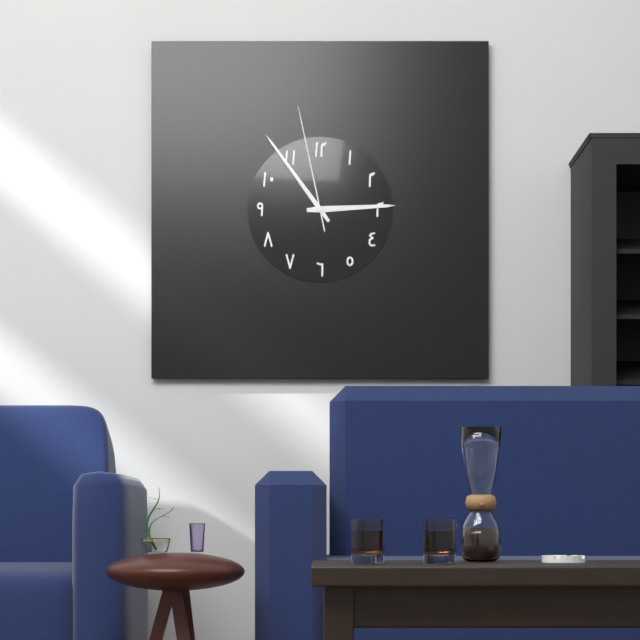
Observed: 2h54m58s
